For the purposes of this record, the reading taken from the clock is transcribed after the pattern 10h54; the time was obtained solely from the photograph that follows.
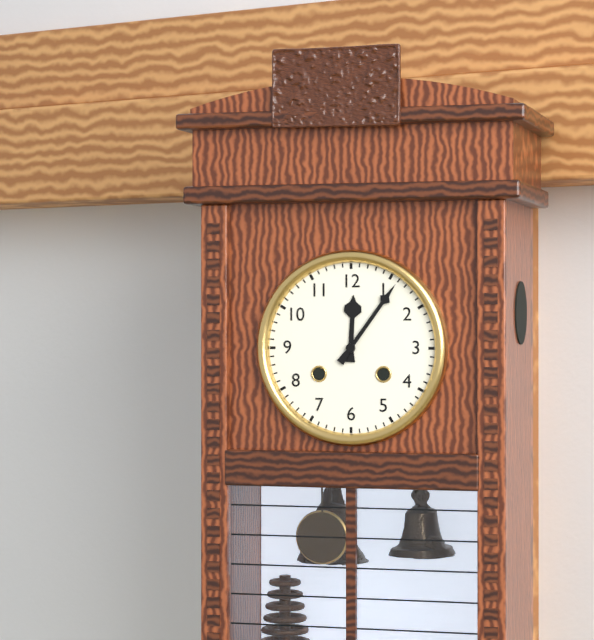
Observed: 12h06
